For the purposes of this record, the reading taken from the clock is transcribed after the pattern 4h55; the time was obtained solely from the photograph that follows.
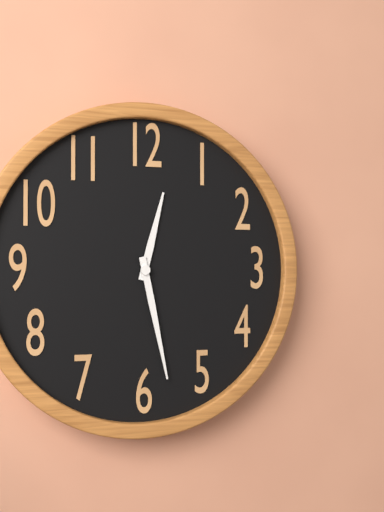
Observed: 12h28
